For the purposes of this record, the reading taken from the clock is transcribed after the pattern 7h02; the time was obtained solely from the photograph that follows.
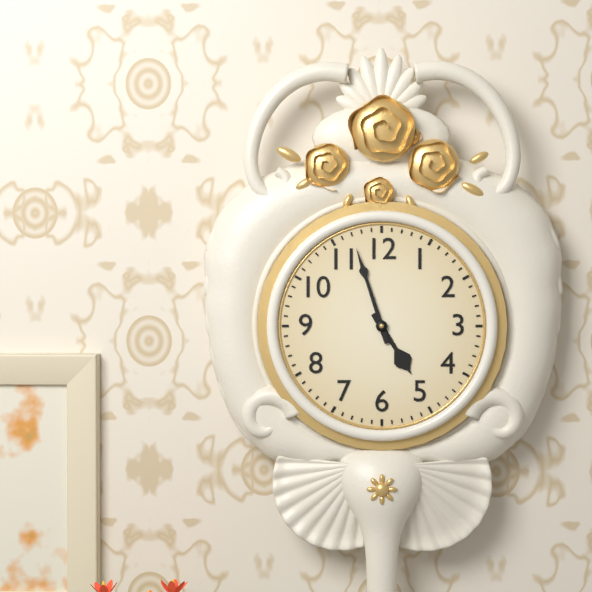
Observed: 4h57
